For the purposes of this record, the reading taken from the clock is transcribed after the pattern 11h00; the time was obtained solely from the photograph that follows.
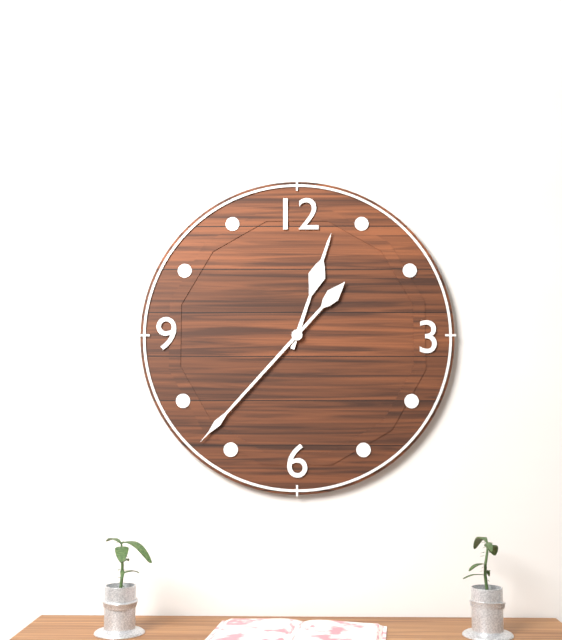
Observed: 12h37
